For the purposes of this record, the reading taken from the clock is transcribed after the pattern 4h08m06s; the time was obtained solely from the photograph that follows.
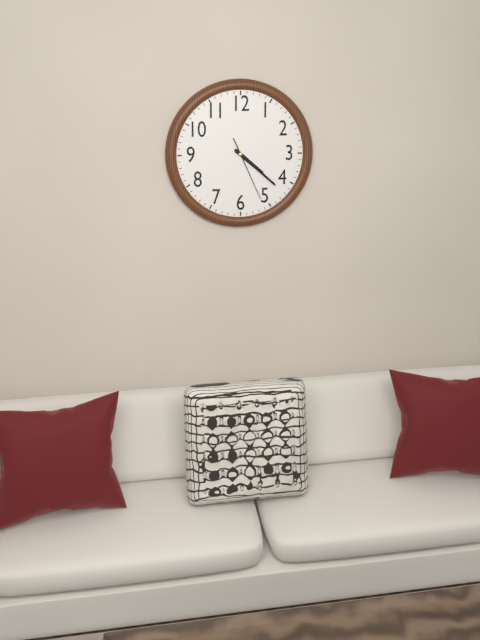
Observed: 4h22m26s
